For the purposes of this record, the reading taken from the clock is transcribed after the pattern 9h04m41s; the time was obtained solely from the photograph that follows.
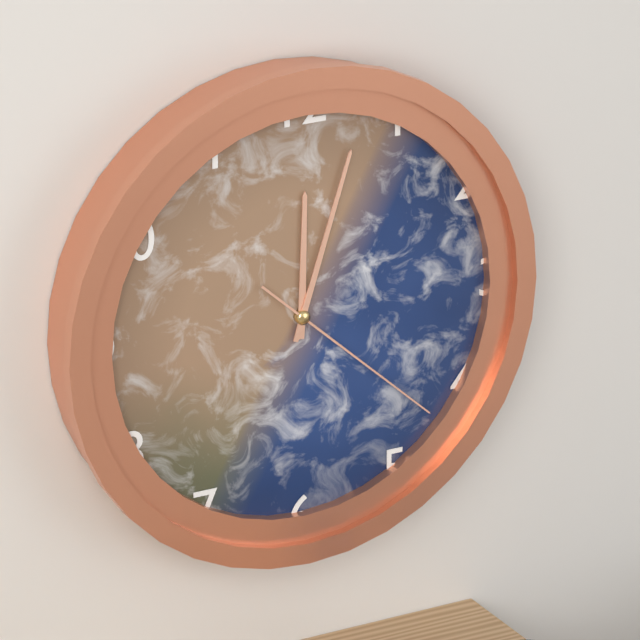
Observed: 12h03m22s
